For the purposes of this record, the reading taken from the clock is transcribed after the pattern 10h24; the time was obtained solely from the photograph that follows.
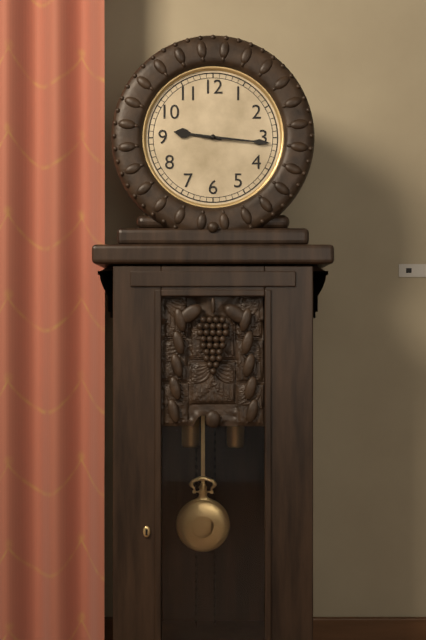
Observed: 9h16
